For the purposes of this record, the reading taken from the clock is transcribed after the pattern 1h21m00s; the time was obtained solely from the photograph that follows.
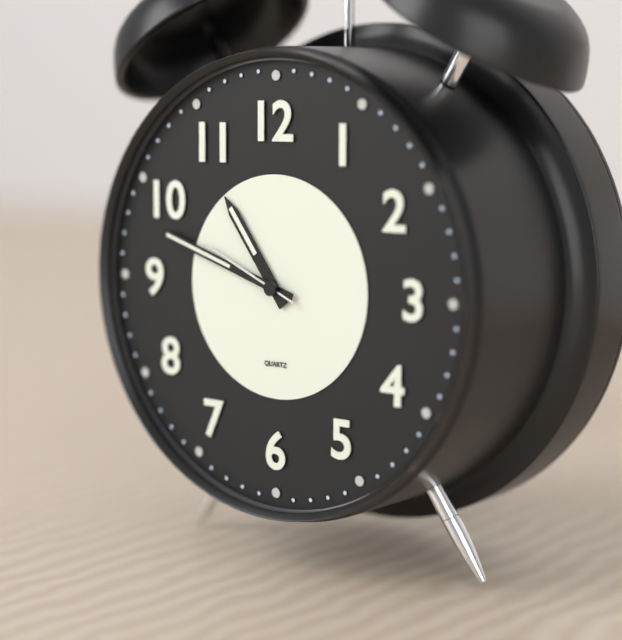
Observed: 10h48m49s
